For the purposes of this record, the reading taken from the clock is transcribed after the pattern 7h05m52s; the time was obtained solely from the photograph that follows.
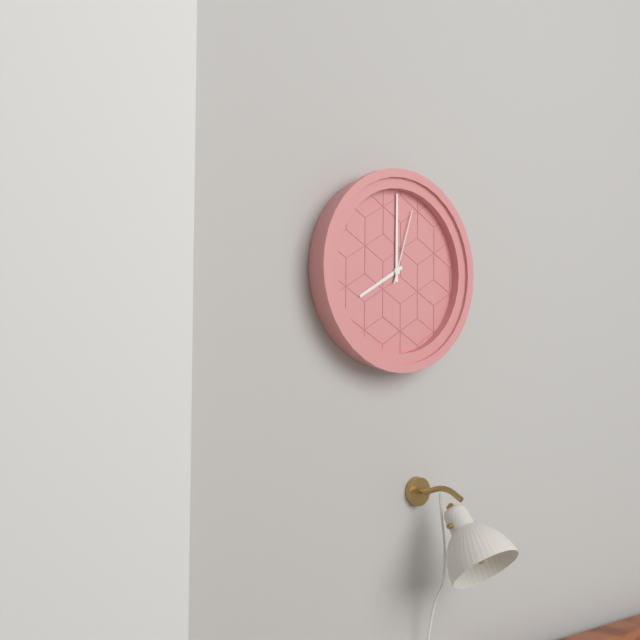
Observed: 8h00m03s
